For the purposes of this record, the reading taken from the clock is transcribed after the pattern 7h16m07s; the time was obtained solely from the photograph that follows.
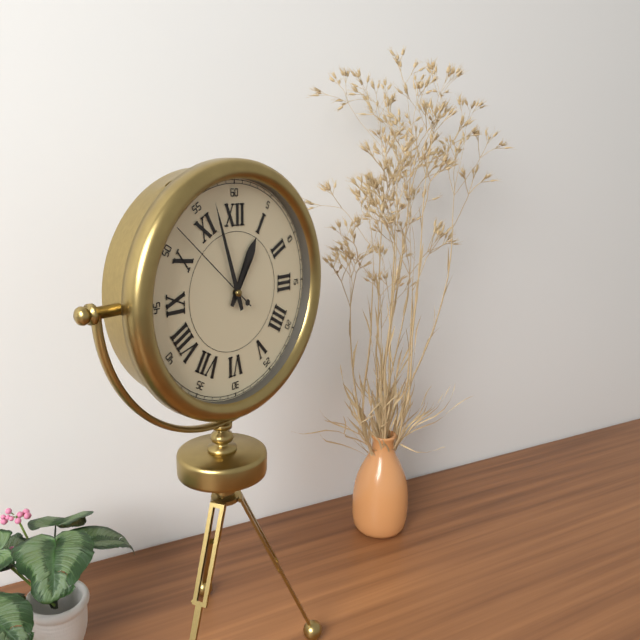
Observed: 12h57m52s
